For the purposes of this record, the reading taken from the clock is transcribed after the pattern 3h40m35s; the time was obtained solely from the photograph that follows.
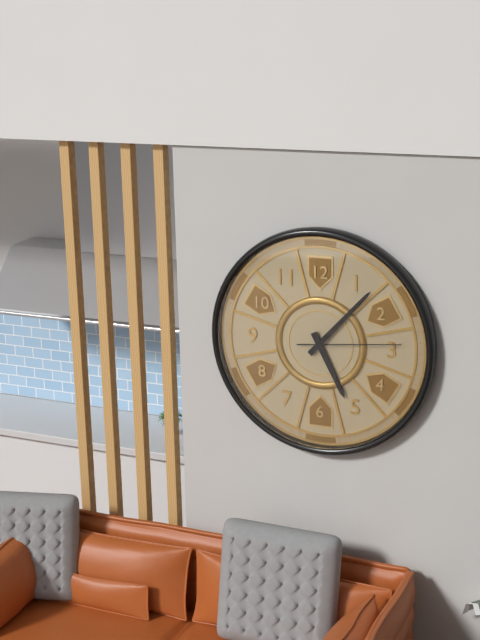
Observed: 5h07m14s
